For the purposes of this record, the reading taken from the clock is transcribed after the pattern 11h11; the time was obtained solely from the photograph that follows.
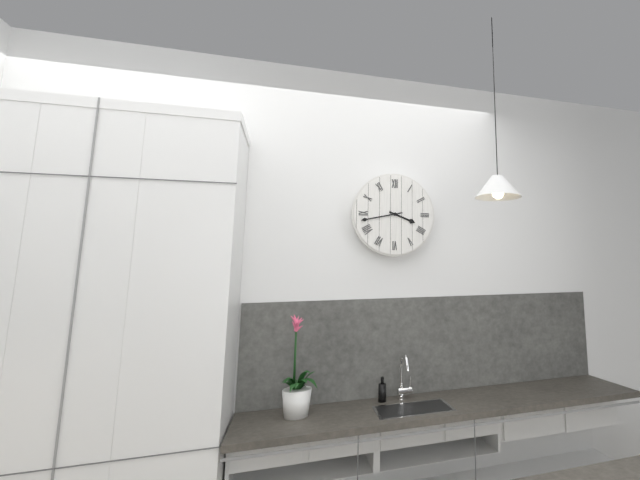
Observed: 3h43
